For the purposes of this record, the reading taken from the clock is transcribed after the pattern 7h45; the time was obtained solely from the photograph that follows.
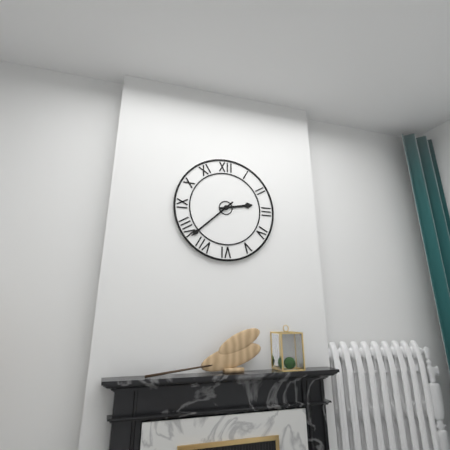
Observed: 2h38
